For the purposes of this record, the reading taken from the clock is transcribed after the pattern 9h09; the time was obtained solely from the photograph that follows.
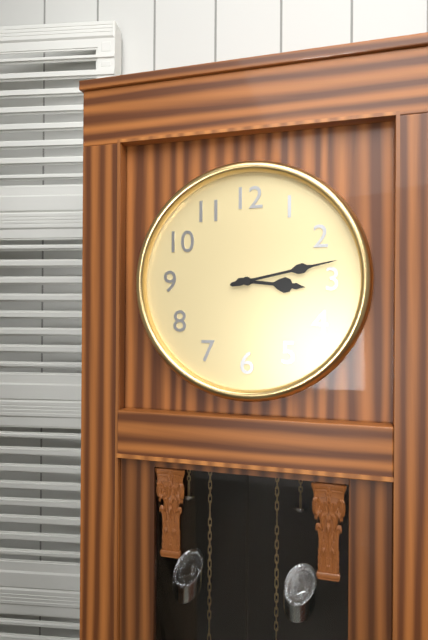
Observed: 3h13
